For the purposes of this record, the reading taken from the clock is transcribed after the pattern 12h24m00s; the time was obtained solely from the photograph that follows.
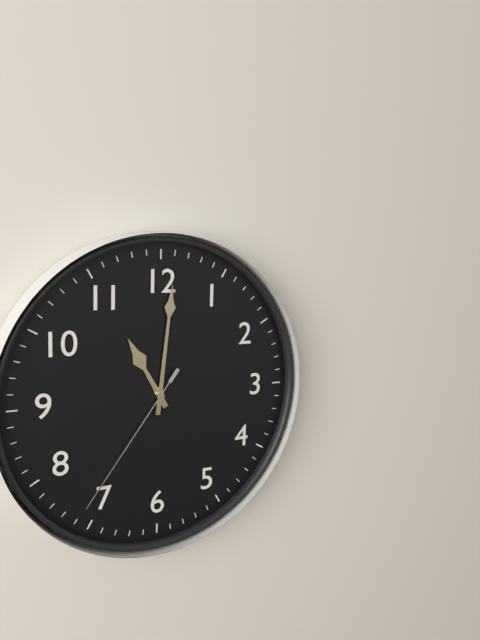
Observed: 11h01m36s
